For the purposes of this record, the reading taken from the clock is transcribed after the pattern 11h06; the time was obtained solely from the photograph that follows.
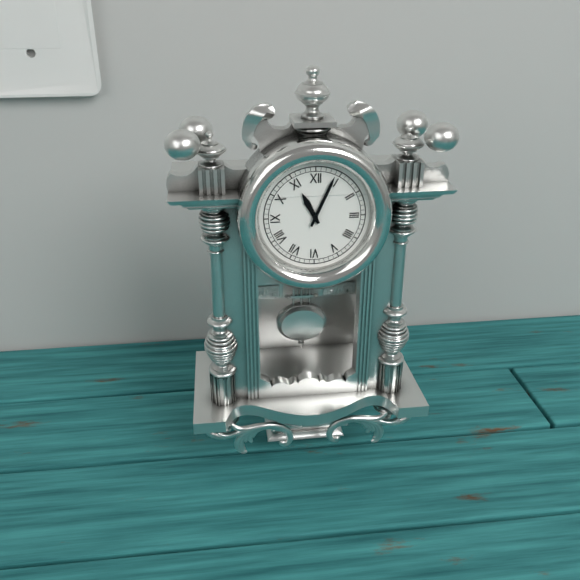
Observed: 11h04
